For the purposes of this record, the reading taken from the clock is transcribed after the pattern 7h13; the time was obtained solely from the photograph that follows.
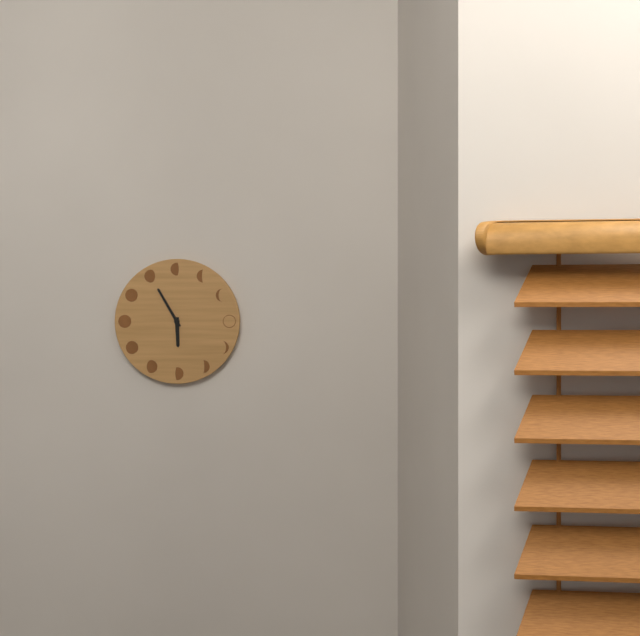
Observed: 5h55
